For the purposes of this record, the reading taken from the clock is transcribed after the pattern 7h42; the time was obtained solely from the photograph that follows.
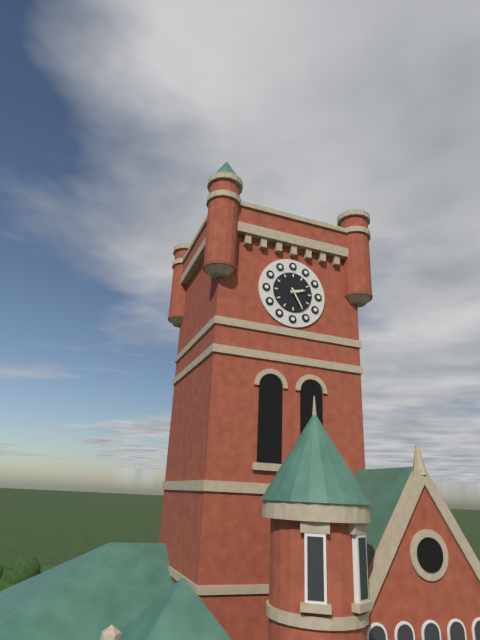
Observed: 2h25
